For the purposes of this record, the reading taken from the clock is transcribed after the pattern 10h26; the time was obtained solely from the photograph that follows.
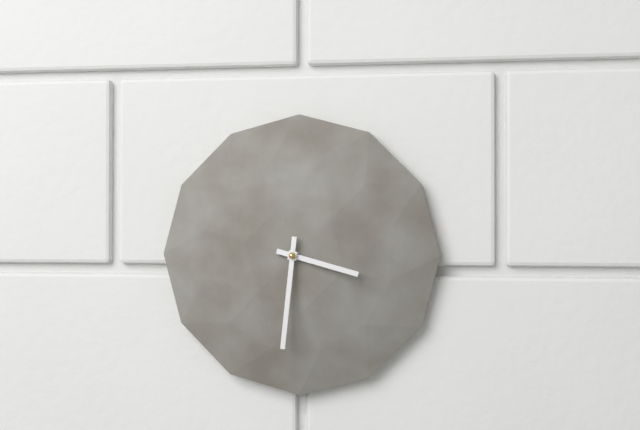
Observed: 3h31
